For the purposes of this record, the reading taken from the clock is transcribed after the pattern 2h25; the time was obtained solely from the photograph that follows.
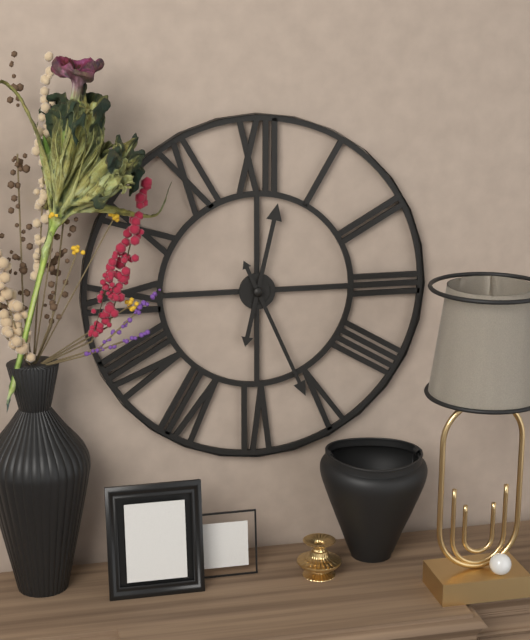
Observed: 12h26
